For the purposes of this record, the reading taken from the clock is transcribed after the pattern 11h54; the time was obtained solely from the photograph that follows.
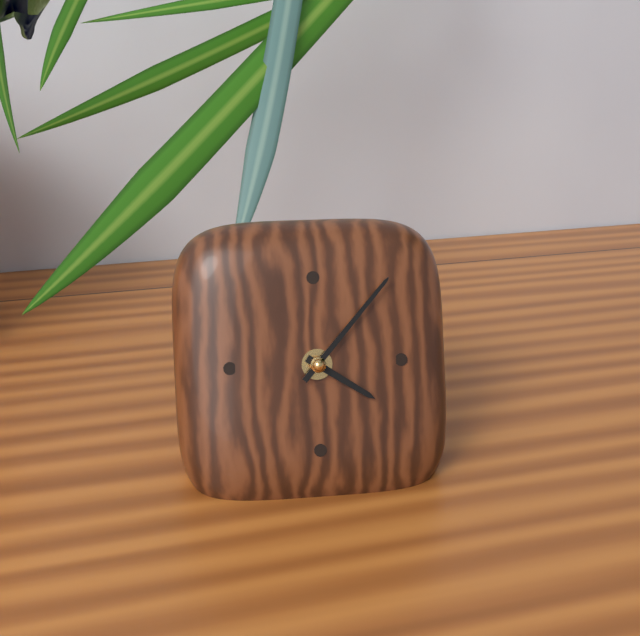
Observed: 4h07
